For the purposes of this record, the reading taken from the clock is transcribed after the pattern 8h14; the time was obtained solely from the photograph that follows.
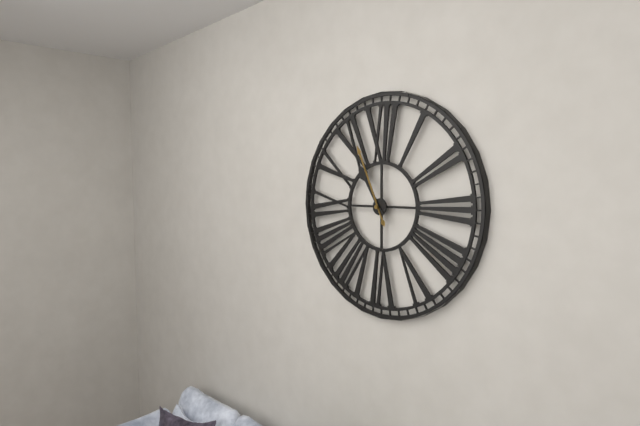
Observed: 10h56
